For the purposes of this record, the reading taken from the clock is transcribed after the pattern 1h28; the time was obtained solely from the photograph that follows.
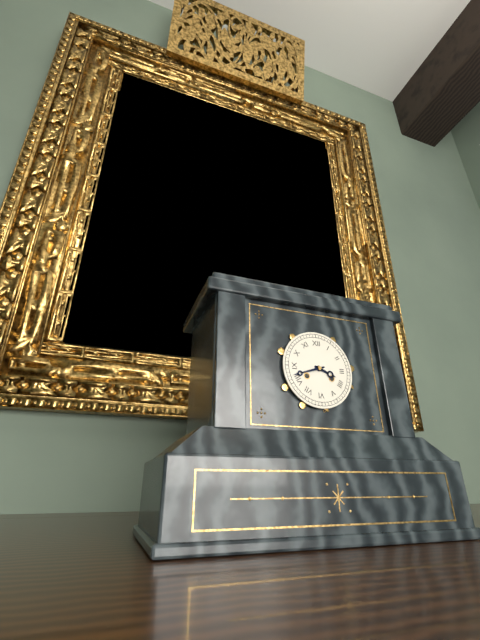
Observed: 3h42
